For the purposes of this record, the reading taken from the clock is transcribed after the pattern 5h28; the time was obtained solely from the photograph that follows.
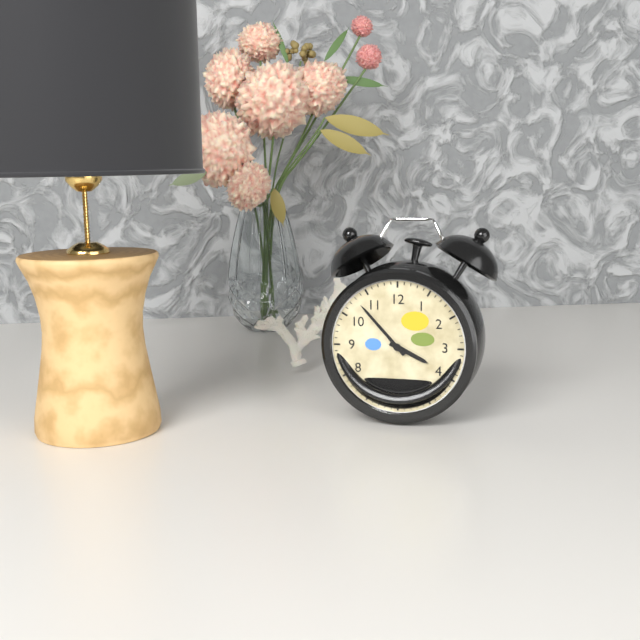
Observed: 3h53
